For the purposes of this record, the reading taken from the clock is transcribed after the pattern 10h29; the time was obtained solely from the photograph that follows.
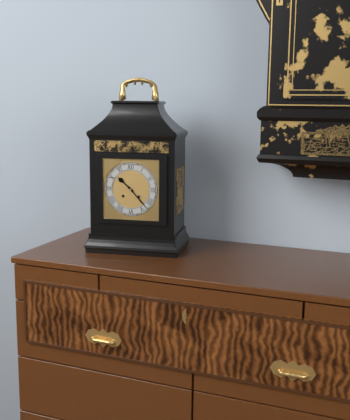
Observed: 10h23
